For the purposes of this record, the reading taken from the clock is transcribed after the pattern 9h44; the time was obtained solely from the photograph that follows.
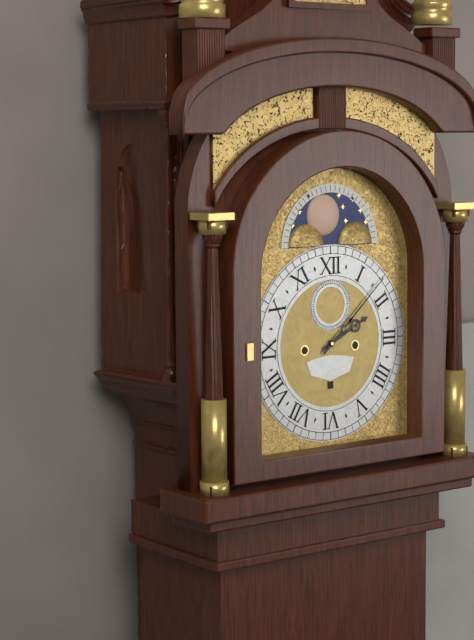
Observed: 2h08
